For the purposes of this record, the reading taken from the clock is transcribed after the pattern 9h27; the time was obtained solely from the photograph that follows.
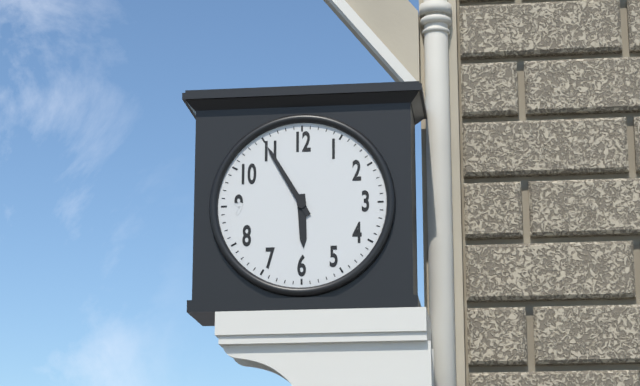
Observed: 5h55
